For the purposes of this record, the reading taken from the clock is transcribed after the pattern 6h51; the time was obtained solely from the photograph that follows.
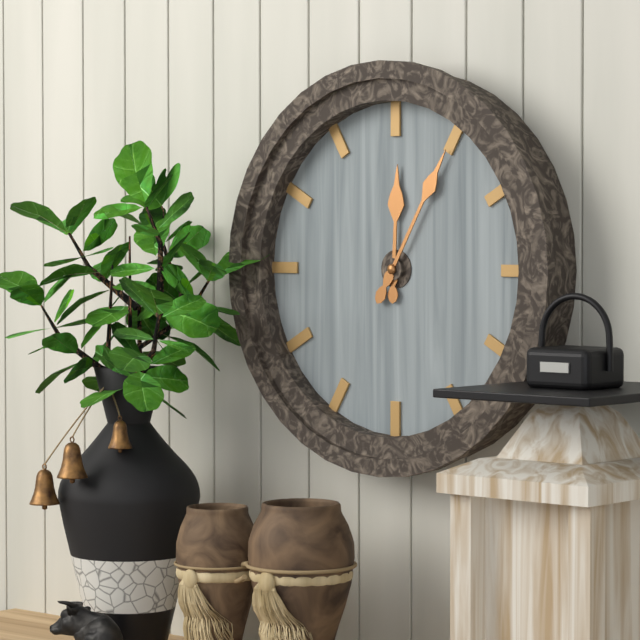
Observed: 12h05
